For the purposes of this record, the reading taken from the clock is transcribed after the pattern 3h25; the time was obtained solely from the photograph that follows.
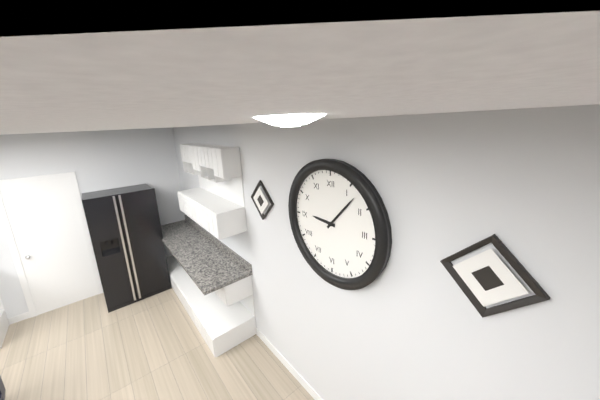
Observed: 9h07
